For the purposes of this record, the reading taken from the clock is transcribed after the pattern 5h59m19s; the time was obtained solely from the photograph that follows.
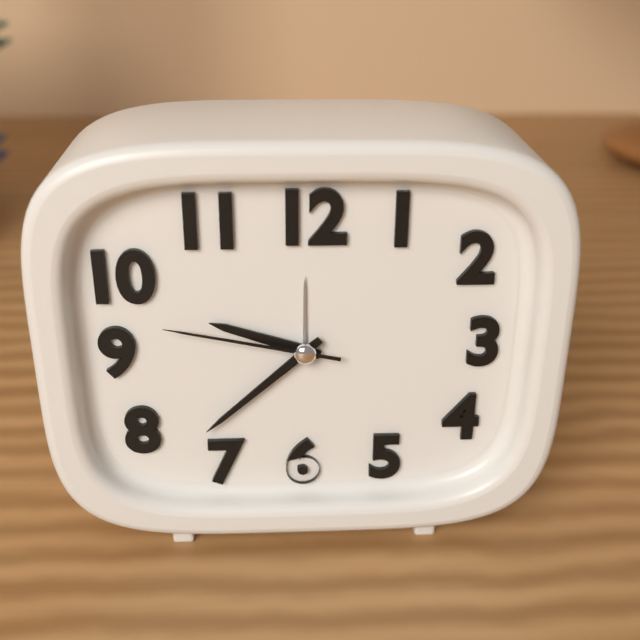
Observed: 9h38m47s
